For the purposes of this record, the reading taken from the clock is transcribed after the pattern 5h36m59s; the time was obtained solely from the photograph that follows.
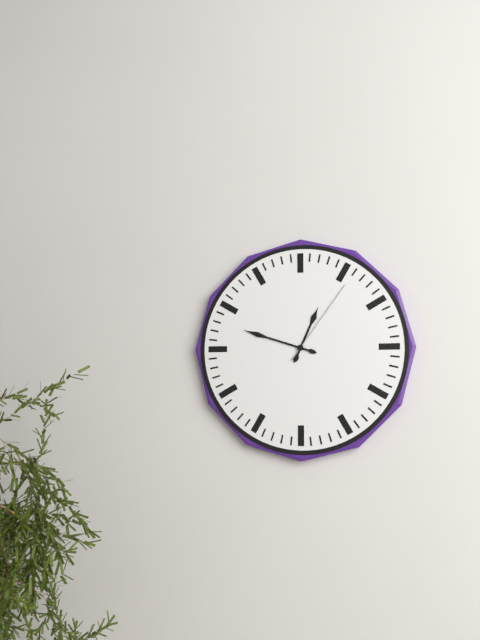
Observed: 12h48m06s
